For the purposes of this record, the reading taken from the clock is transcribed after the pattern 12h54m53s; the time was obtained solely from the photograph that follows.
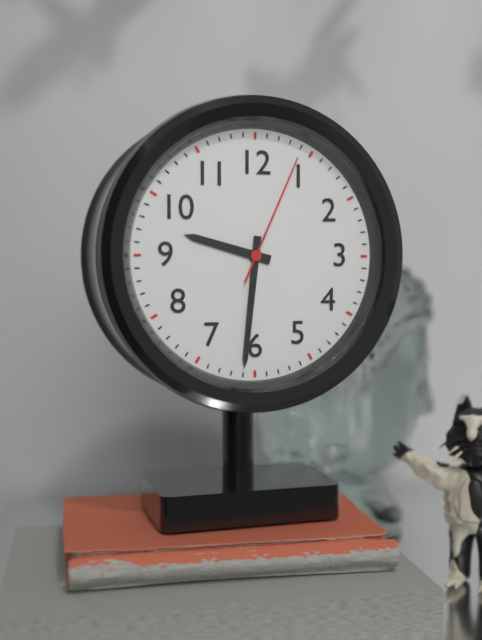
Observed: 9h31m04s
